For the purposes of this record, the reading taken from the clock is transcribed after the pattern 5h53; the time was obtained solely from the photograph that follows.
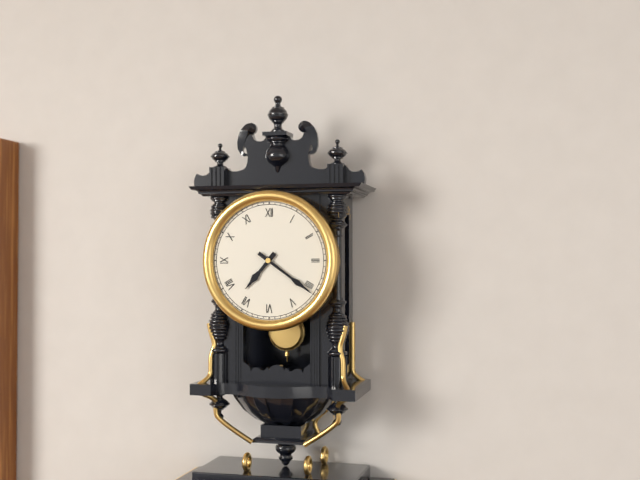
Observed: 7h21
